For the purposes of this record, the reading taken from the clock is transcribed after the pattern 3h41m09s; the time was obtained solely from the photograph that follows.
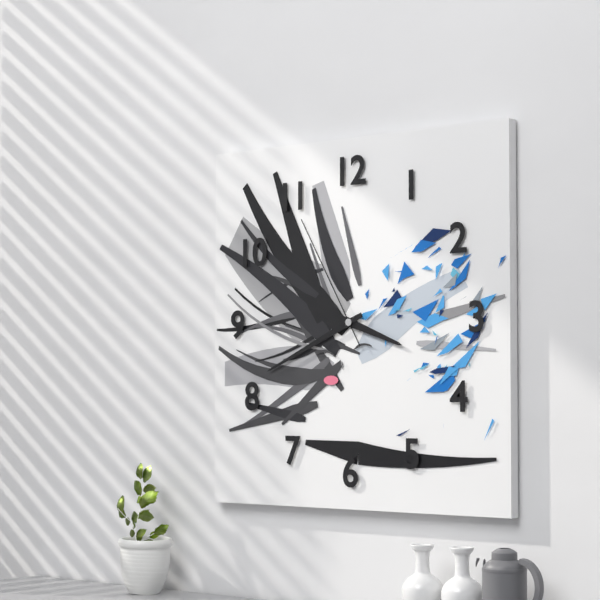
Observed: 3h41m55s
